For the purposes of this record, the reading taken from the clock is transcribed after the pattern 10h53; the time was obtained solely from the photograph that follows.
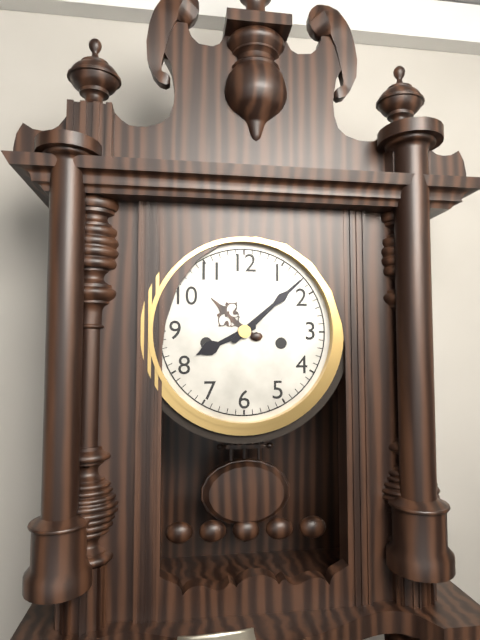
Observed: 8h08
